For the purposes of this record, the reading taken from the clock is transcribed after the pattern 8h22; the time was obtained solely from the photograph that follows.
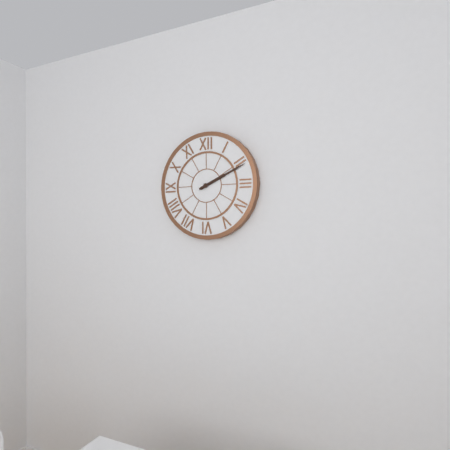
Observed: 2h11
